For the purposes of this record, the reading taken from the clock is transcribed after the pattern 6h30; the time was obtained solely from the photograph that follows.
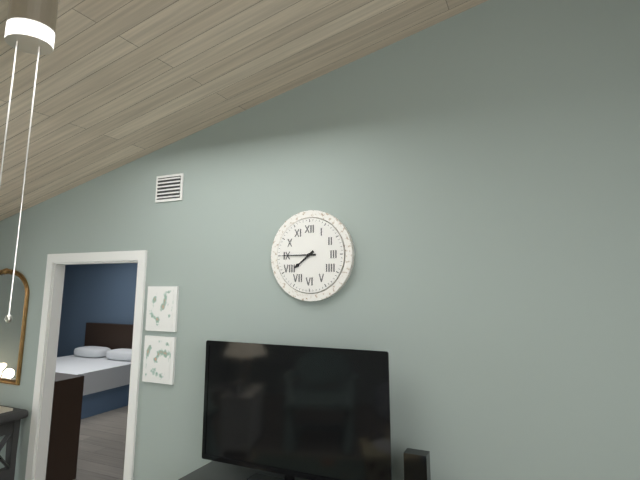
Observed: 7h45
